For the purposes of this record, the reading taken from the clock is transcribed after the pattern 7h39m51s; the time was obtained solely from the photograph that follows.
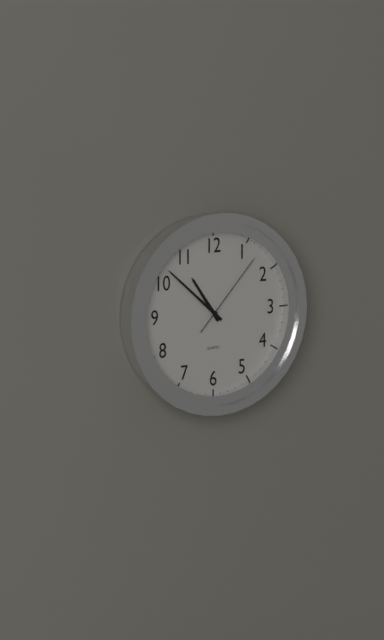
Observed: 10h52m07s
